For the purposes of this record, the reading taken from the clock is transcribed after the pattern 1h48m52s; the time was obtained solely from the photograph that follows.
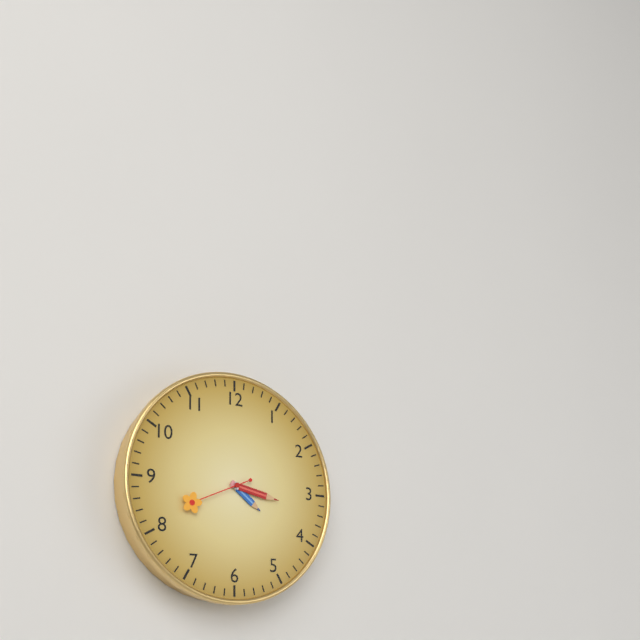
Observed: 4h17m41s
